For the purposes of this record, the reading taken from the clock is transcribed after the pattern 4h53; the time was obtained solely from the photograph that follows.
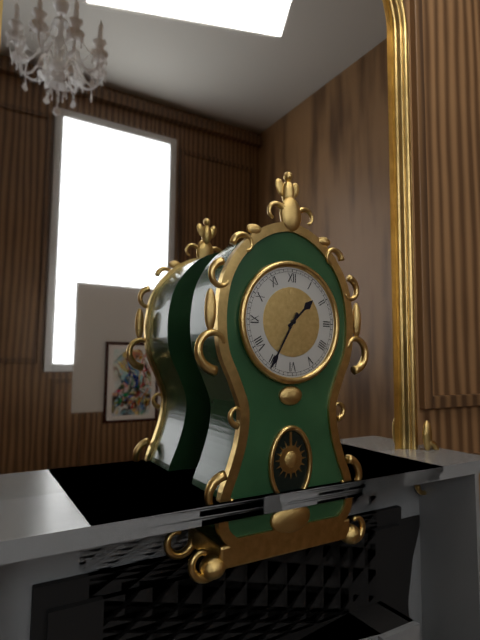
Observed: 1h35
